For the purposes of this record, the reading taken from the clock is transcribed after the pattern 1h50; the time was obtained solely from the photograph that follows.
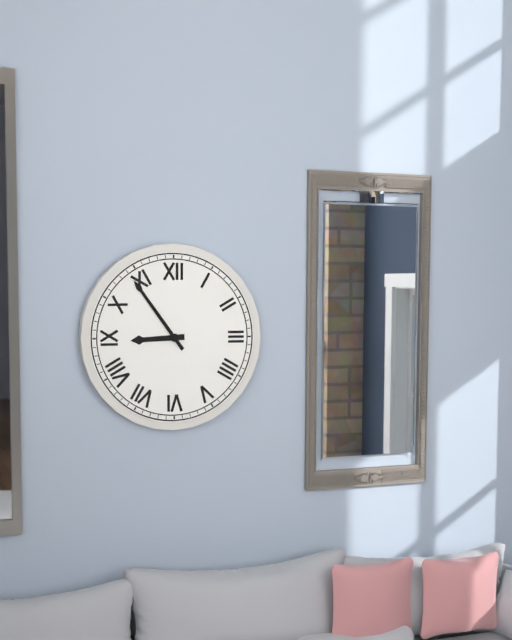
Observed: 8h54
